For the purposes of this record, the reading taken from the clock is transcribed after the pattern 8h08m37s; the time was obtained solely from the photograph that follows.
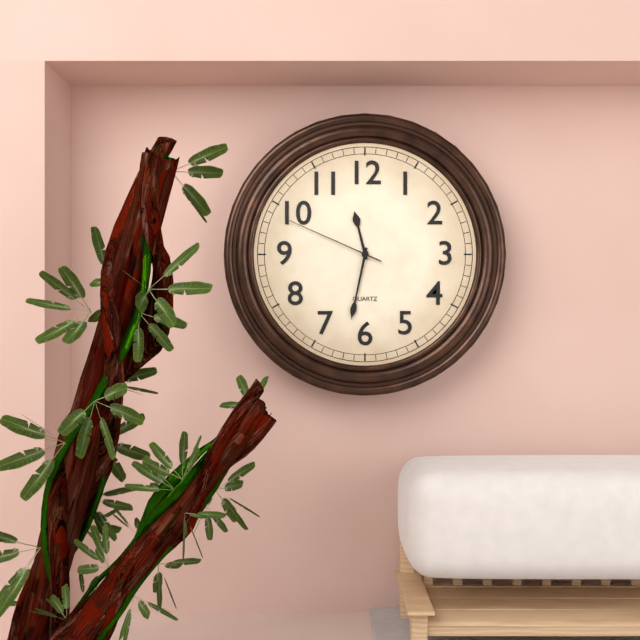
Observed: 11h32m49s
